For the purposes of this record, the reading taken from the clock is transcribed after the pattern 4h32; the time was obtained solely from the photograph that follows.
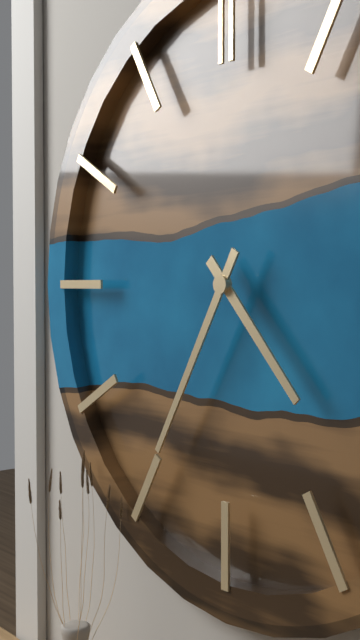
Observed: 4h35
